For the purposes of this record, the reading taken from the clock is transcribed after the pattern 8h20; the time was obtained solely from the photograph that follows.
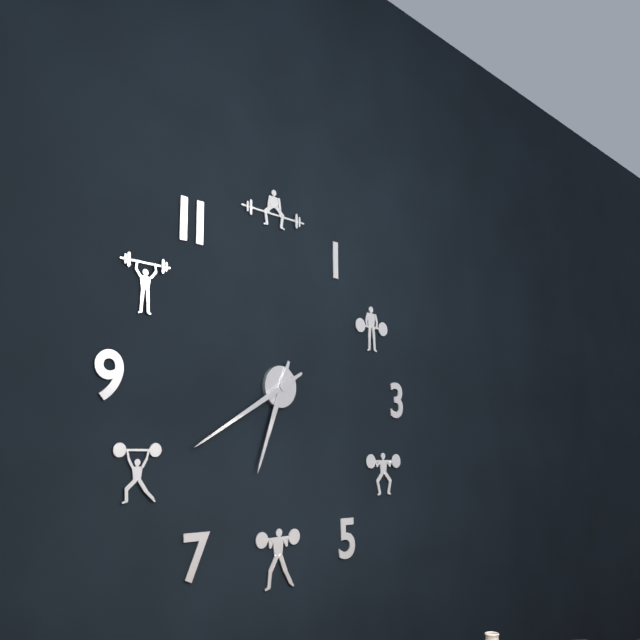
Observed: 6h40
